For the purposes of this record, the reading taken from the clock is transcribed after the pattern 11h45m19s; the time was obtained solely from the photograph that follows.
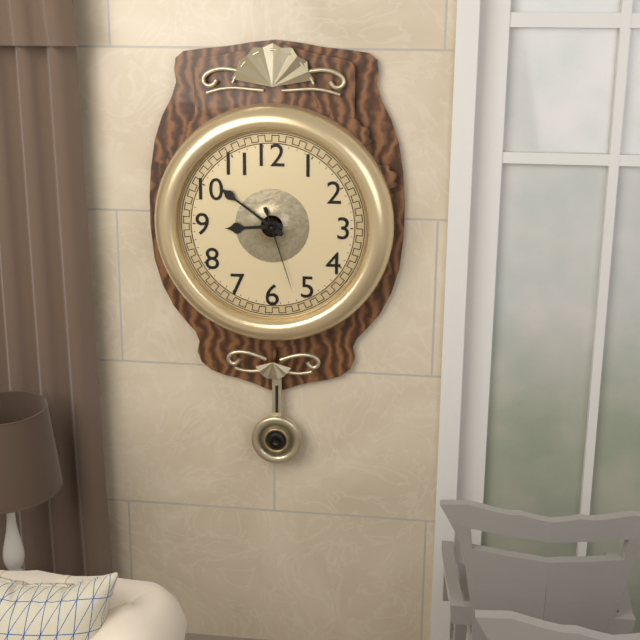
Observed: 8h51m27s
